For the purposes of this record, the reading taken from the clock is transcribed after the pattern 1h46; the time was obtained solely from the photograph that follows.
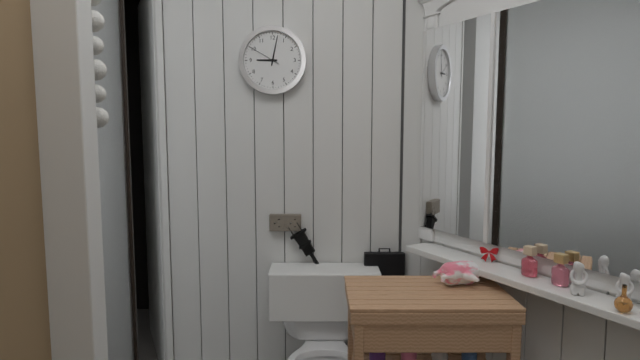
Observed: 9h02
